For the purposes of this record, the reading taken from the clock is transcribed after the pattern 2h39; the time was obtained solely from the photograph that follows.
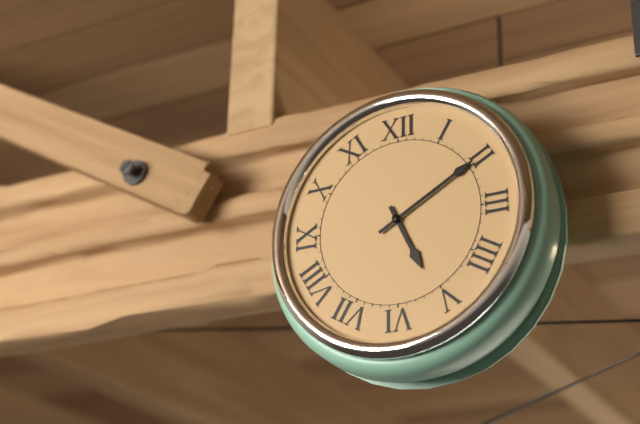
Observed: 5h10
